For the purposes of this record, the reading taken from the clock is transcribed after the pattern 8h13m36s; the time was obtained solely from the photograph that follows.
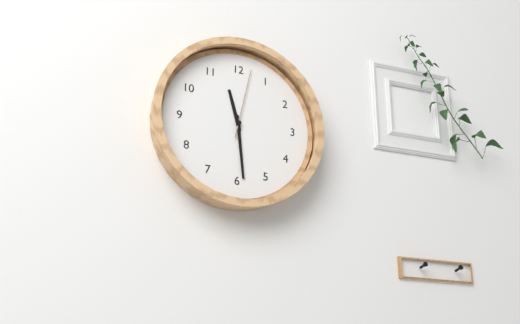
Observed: 11h29m02s
